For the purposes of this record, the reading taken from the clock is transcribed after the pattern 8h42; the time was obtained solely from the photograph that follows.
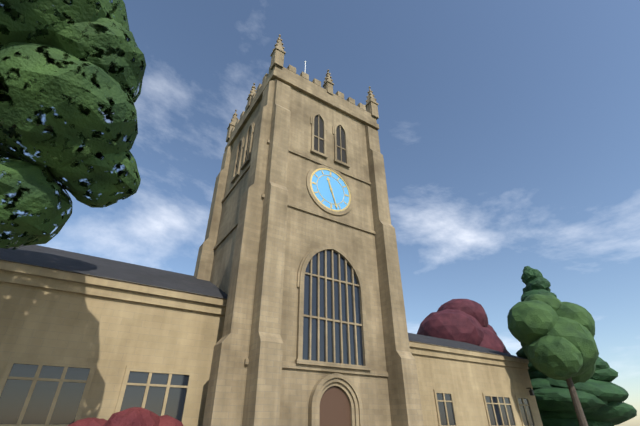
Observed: 11h27
